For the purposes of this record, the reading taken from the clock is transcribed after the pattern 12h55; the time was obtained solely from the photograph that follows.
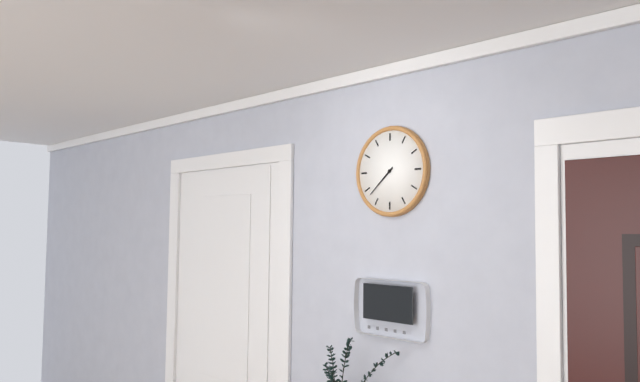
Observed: 7h38
